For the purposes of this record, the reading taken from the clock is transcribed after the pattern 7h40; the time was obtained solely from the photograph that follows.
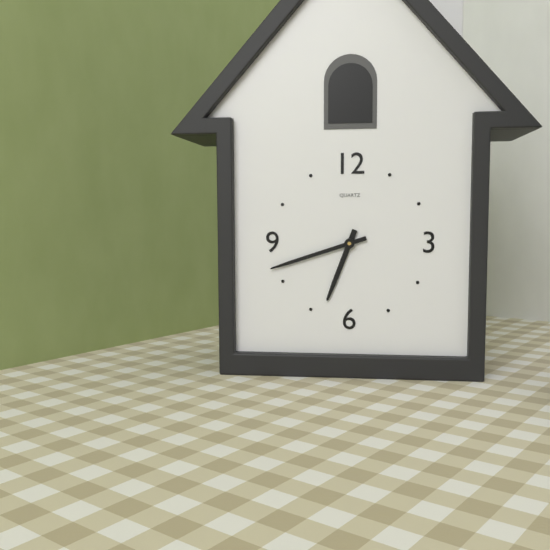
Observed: 6h42
